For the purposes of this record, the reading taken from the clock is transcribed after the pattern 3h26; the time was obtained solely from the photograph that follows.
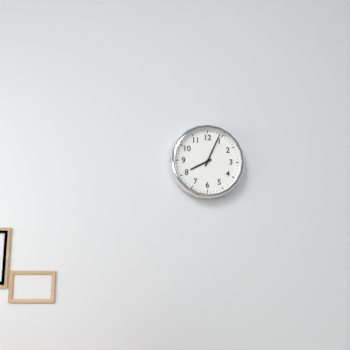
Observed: 8h04
